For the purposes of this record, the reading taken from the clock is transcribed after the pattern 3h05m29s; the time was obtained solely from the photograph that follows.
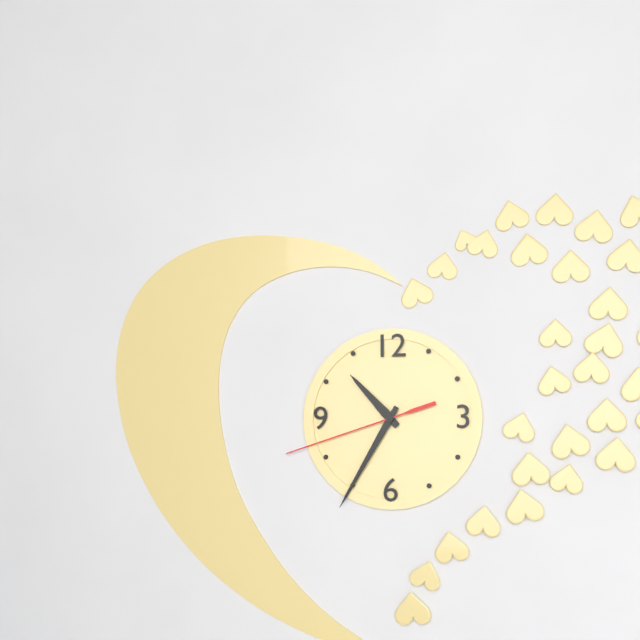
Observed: 10h35m42s
